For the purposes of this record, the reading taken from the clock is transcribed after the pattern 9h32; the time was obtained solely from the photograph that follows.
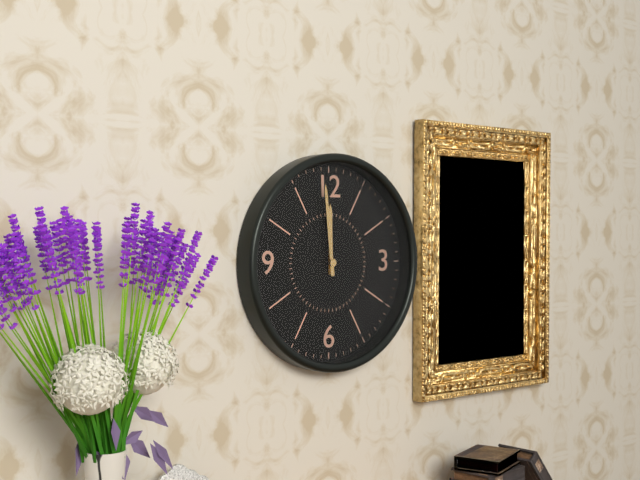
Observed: 11h59
